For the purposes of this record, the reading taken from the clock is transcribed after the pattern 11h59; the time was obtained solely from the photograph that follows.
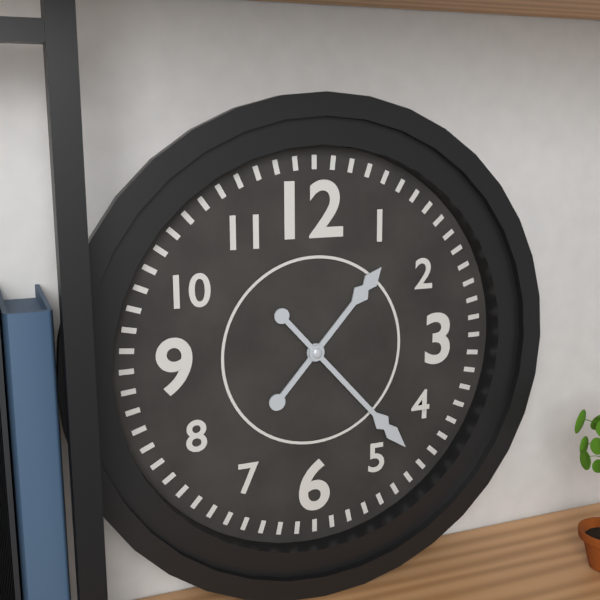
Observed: 1h23
